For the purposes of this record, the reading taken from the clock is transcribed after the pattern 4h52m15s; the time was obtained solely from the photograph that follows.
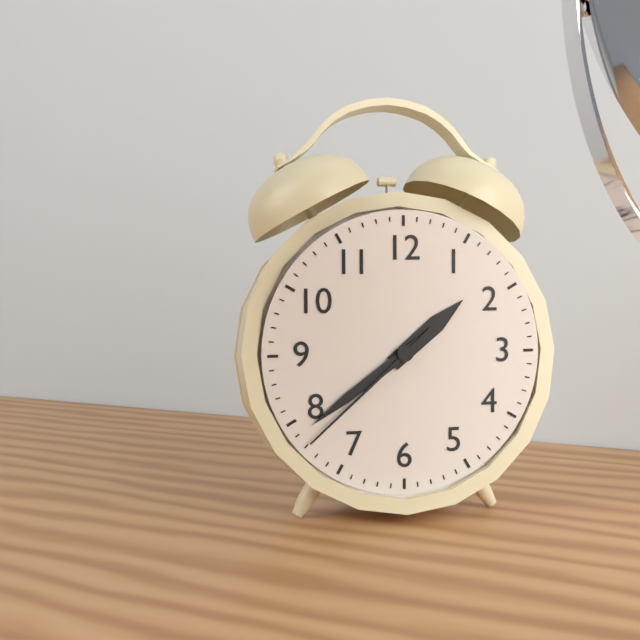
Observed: 1h39m38s
